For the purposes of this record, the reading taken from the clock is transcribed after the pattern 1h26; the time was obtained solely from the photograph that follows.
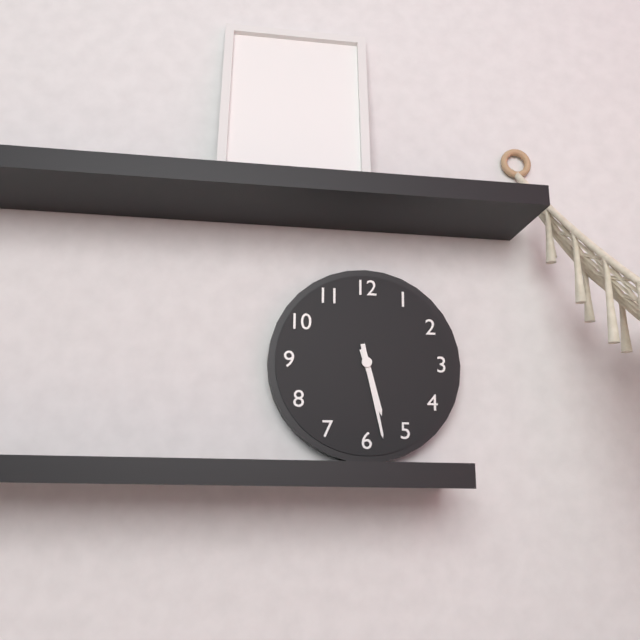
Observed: 5h28
